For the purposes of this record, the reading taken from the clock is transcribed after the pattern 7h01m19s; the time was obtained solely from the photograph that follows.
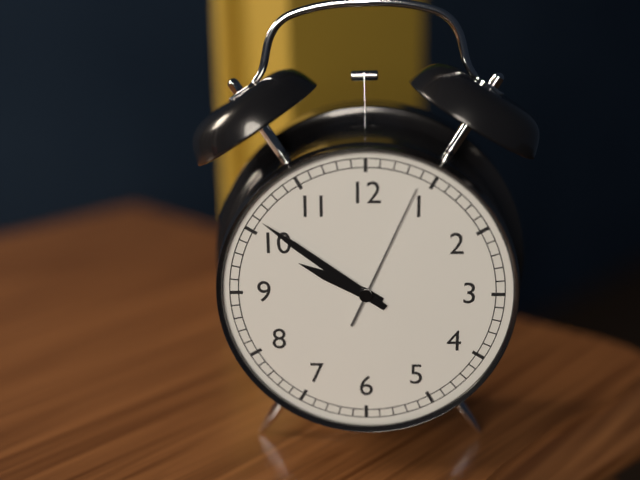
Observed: 9h51m04s
